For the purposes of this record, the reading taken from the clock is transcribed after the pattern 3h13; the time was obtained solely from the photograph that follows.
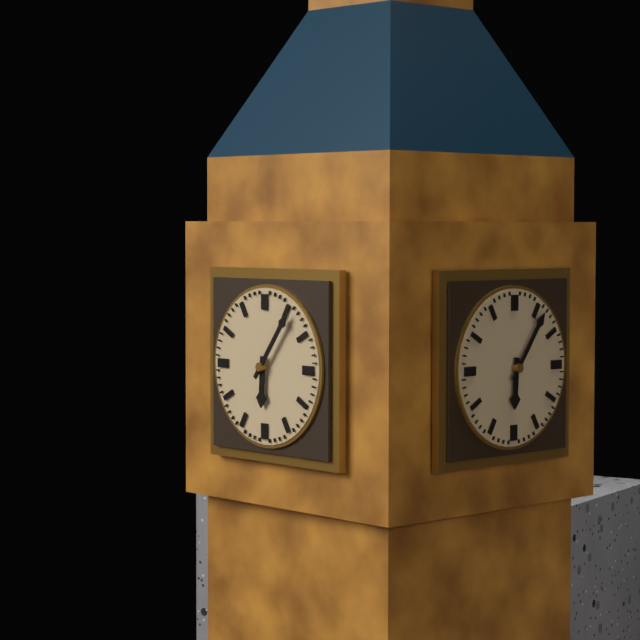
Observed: 6h06
